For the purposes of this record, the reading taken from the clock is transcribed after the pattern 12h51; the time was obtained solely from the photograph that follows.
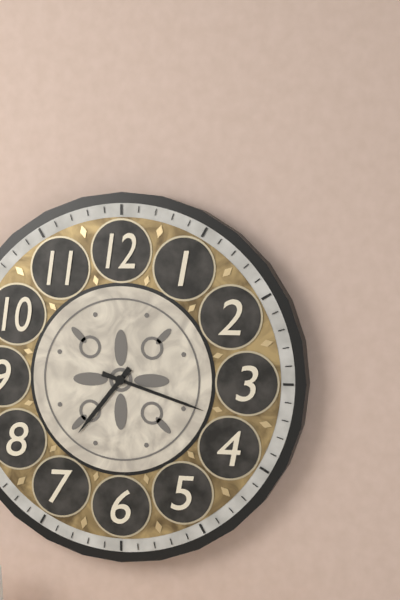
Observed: 7h18
